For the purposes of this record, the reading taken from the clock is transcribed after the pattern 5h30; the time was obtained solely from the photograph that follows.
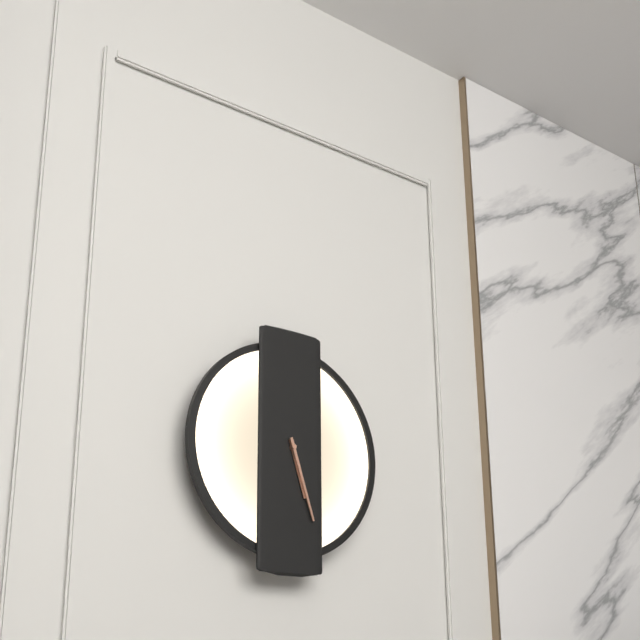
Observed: 5h27
